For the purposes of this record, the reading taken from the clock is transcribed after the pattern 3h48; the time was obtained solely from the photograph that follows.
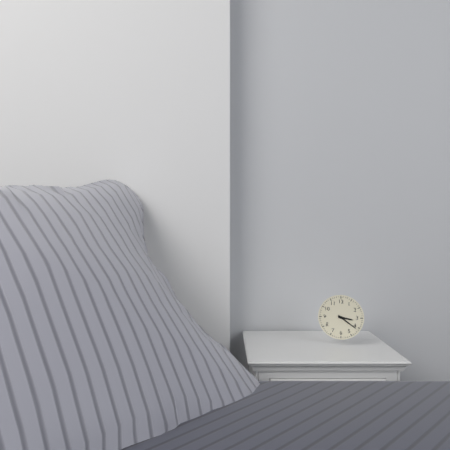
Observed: 3h21
